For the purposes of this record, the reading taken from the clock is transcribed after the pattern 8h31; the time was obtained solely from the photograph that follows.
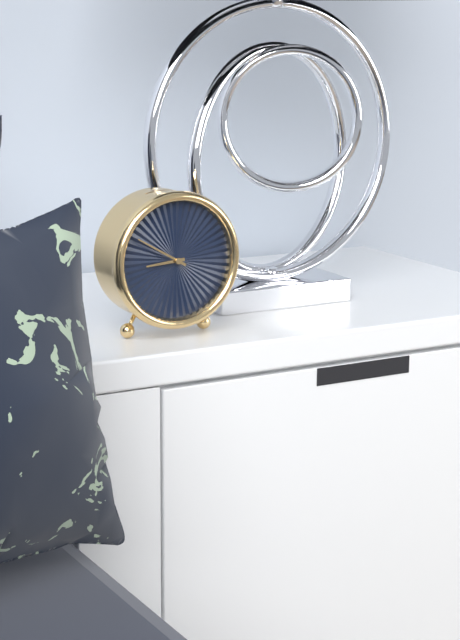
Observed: 8h50
